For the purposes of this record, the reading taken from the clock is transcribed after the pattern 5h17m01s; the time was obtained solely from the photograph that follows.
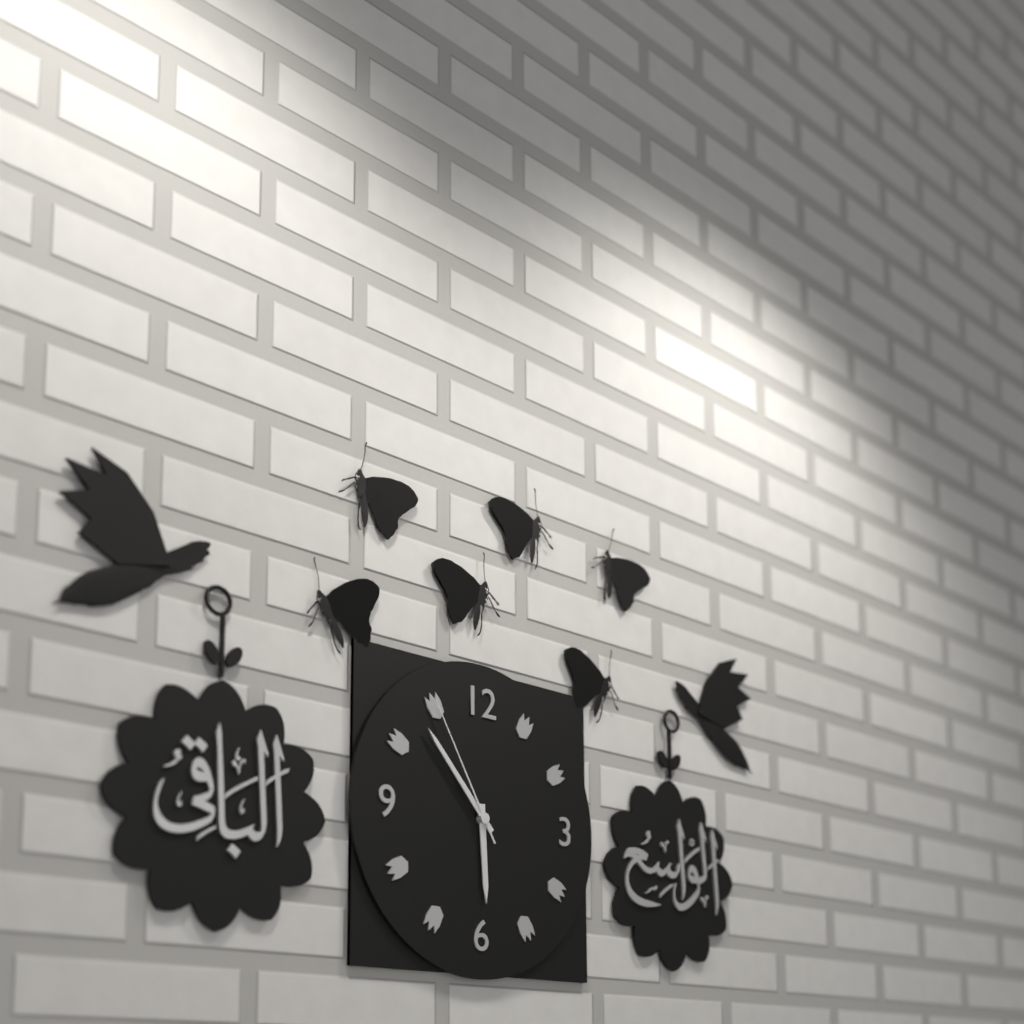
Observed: 5h53m55s
